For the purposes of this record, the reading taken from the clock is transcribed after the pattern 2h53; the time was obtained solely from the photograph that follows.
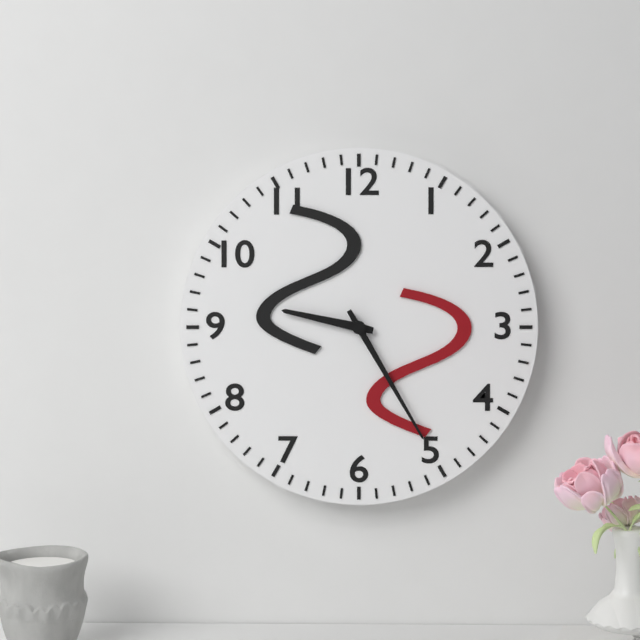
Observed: 9h25
